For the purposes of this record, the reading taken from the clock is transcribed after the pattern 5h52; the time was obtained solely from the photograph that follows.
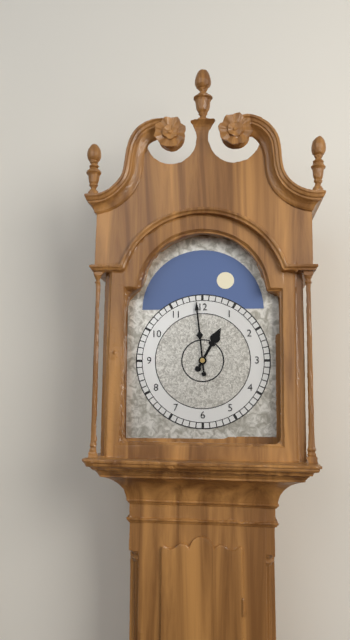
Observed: 12h59
